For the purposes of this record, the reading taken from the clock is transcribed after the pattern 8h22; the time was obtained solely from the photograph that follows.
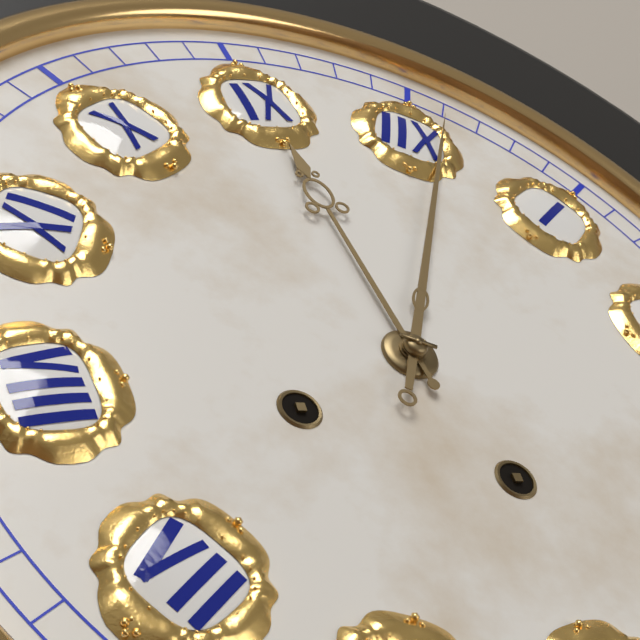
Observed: 11h01
